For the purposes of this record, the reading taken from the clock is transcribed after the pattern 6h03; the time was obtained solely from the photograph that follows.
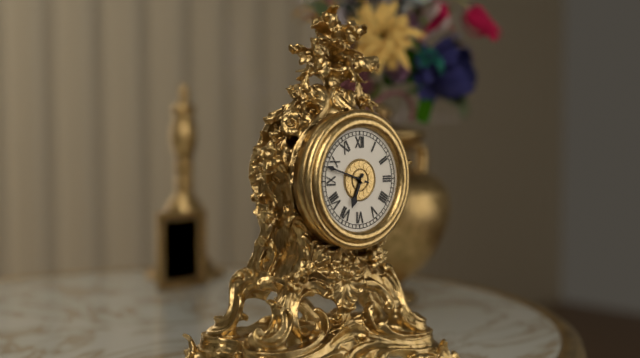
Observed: 6h48
